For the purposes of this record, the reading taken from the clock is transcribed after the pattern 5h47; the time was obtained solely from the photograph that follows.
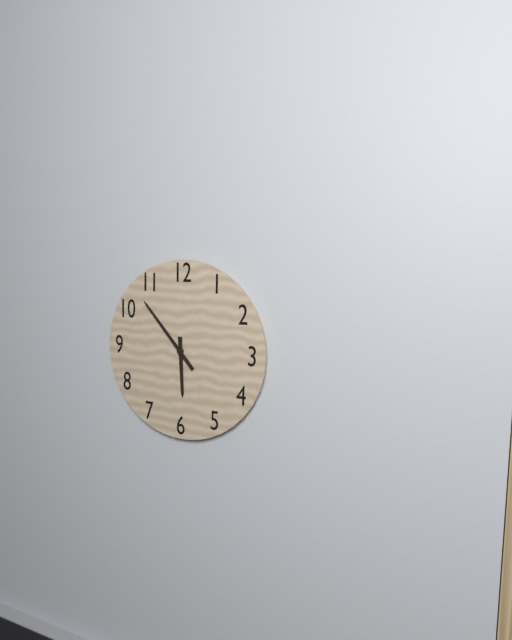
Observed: 5h53
